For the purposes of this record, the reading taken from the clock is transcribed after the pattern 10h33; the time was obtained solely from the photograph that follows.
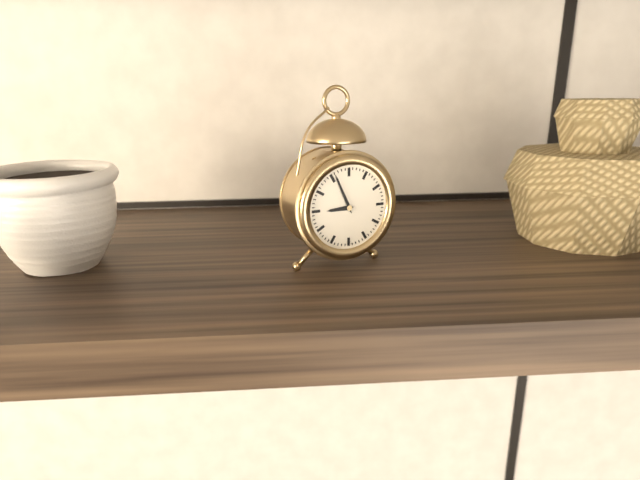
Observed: 8h56
